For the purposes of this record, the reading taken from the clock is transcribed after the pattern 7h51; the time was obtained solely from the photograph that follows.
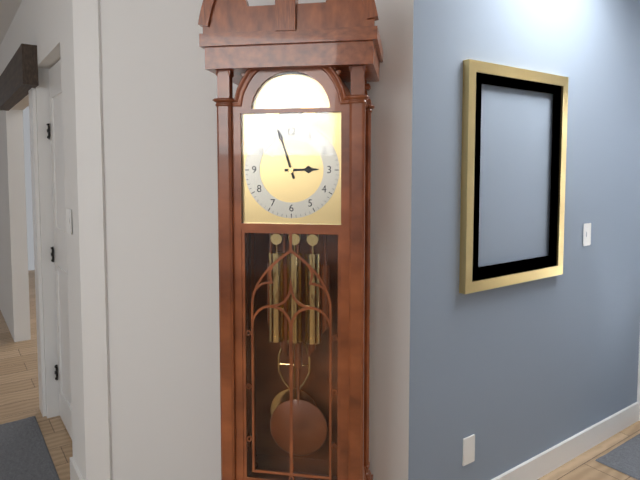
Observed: 2h57
